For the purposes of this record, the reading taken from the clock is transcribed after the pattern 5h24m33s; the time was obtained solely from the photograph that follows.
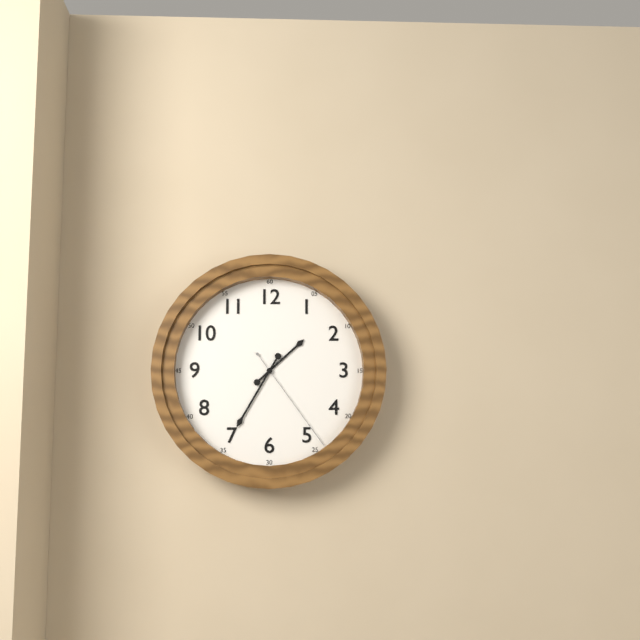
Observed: 1h35m24s
